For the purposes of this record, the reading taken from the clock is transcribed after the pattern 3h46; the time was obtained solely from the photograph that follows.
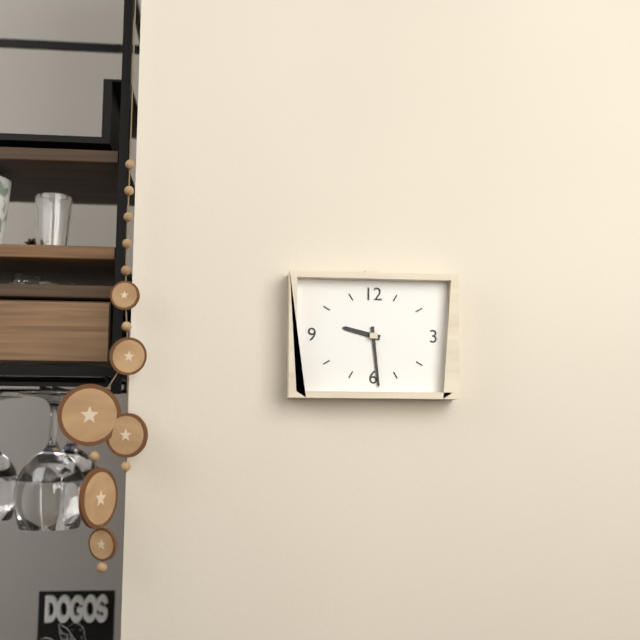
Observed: 9h29
